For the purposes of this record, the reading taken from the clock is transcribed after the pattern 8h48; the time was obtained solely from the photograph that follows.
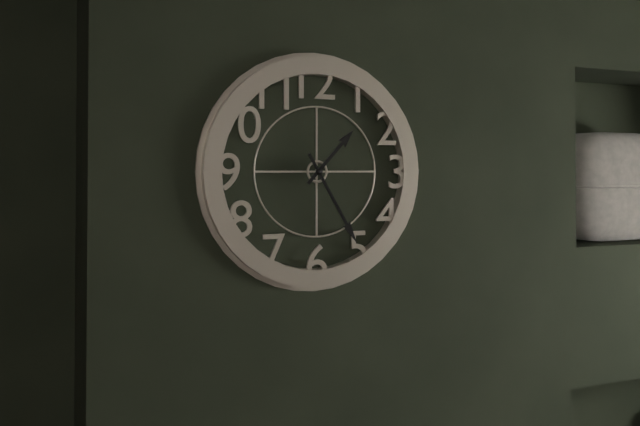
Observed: 1h25
